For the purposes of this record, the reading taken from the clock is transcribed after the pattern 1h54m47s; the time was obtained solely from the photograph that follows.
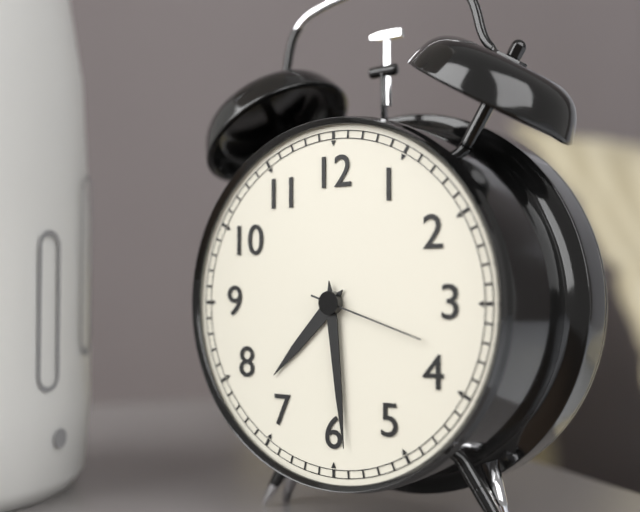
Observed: 7h29m18s
